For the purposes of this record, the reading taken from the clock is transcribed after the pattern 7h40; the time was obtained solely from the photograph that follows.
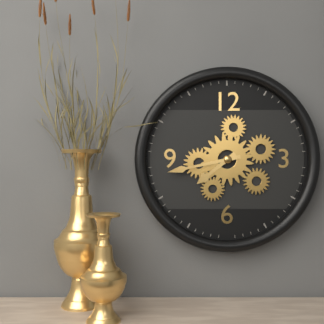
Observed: 7h43
